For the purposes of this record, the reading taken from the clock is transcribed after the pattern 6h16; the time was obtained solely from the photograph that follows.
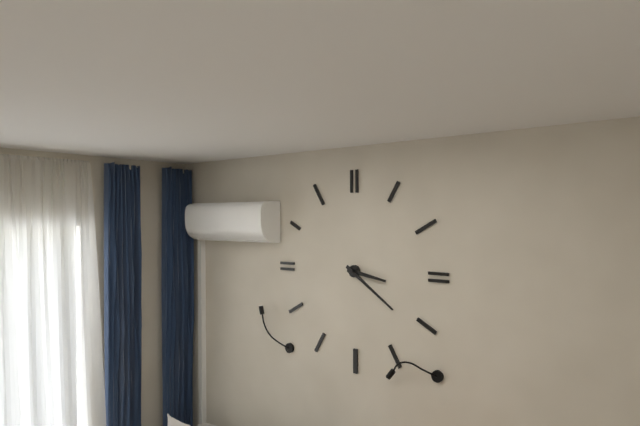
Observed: 3h21
